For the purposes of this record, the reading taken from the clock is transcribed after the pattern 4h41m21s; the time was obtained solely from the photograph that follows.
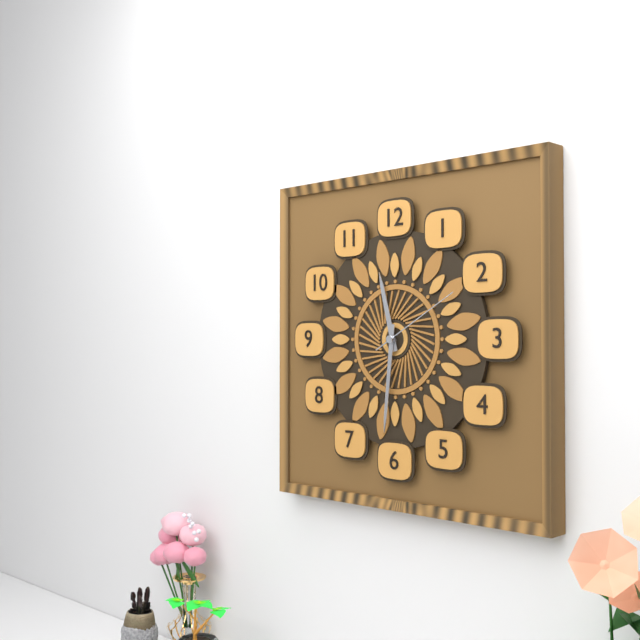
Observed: 11h31m10s
